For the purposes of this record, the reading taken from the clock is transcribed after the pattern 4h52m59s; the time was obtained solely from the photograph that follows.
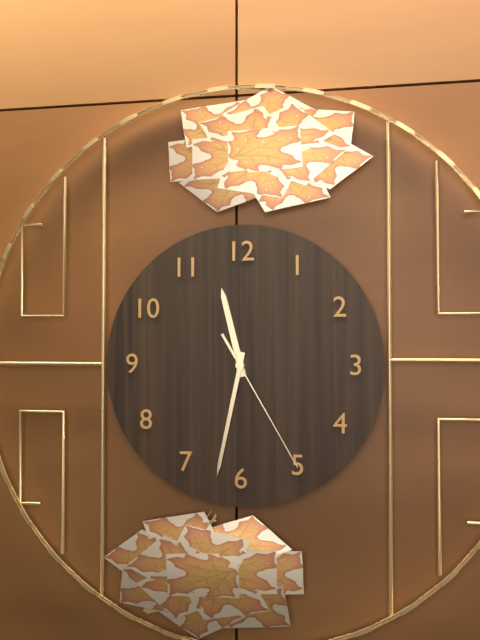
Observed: 11h32m25s
